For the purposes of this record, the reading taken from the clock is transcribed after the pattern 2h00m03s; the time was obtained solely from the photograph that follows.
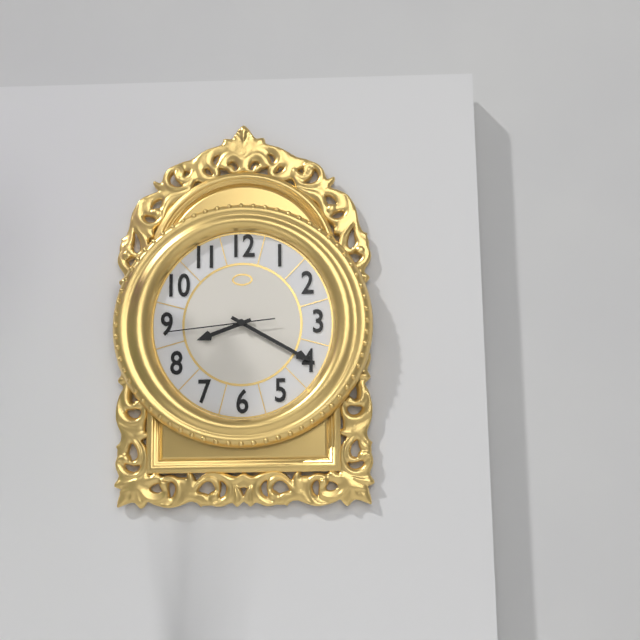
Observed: 8h20m44s
